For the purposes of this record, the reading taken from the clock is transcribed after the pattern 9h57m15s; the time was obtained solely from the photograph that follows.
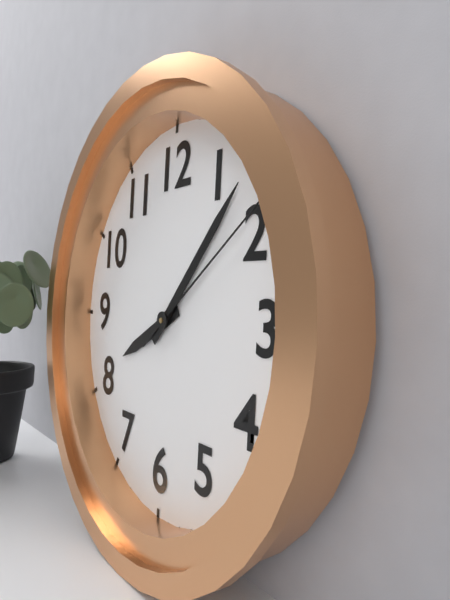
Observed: 8h07m09s
